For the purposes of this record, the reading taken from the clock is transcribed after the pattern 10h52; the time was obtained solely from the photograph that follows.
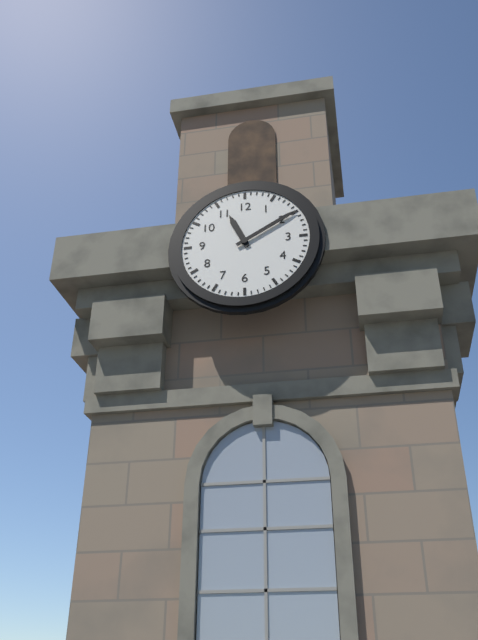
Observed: 11h10
